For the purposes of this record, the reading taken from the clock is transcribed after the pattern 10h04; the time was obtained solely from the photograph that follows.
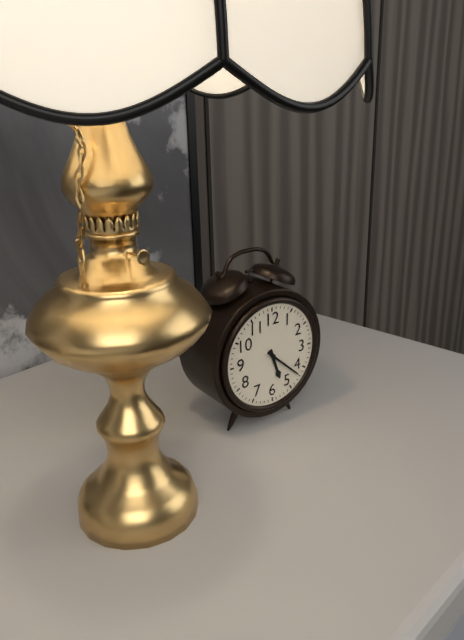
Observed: 5h22
